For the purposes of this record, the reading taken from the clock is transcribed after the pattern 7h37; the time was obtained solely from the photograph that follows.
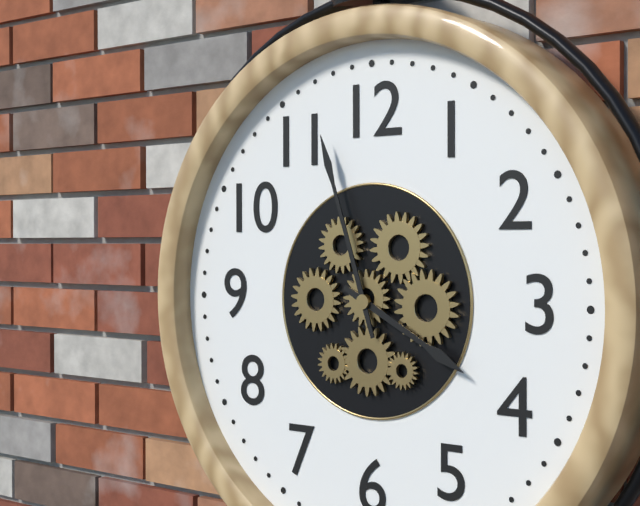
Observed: 3h57
